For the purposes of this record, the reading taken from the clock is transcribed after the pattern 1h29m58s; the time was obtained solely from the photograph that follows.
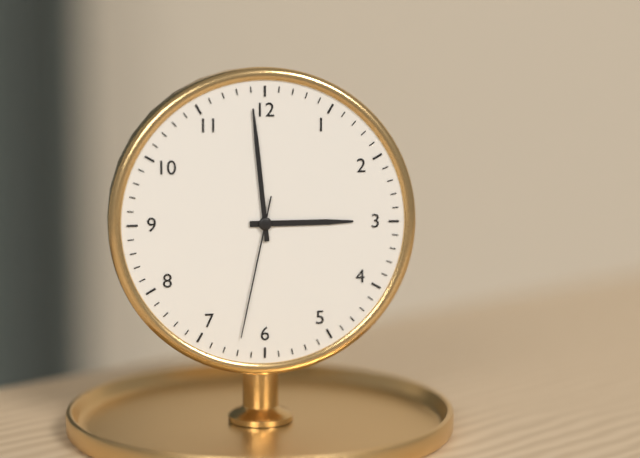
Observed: 2h59m32s
